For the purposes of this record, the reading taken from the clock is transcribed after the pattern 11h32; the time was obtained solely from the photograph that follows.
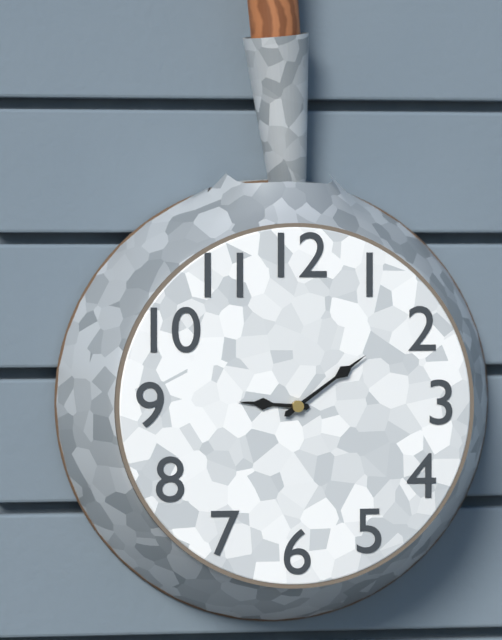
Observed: 9h09
